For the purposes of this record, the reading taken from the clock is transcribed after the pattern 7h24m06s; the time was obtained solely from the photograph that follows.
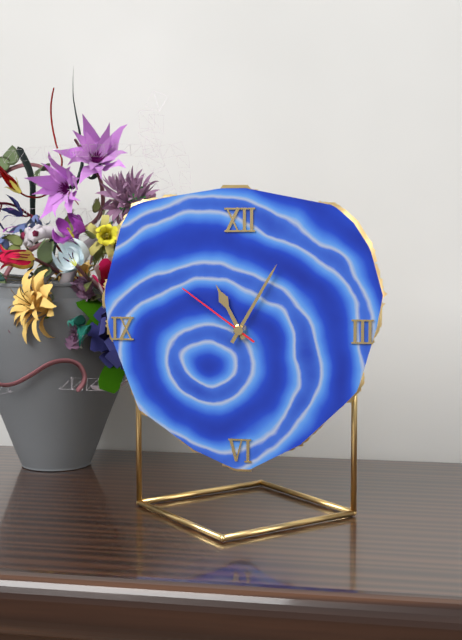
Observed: 11h05m51s
